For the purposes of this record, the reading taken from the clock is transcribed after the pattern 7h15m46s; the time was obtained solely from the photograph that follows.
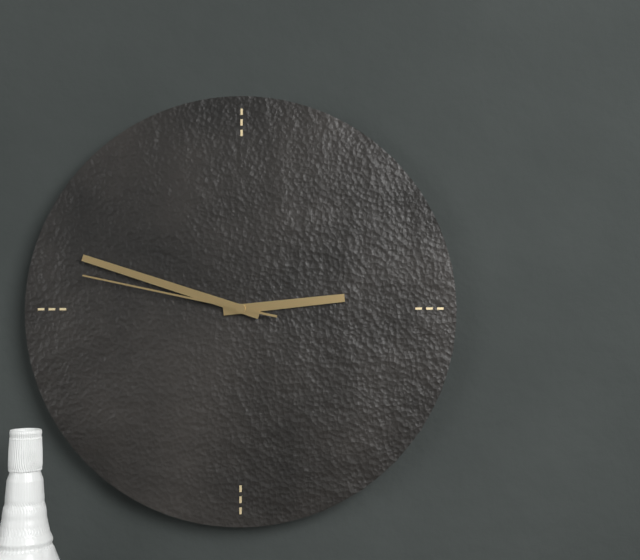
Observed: 2h48m47s
